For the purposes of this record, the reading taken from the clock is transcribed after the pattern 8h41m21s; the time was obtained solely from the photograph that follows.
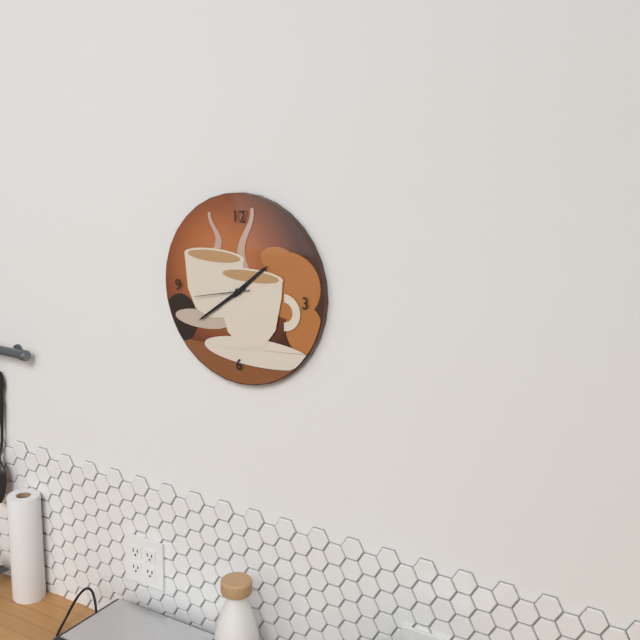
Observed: 1h39m43s
